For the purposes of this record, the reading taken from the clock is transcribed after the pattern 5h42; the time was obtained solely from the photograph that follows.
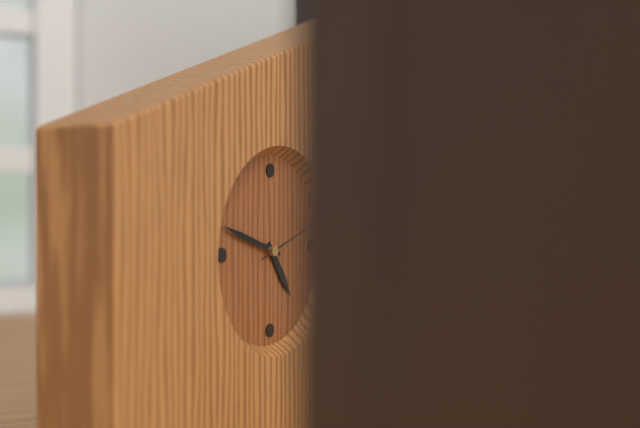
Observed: 4h48
